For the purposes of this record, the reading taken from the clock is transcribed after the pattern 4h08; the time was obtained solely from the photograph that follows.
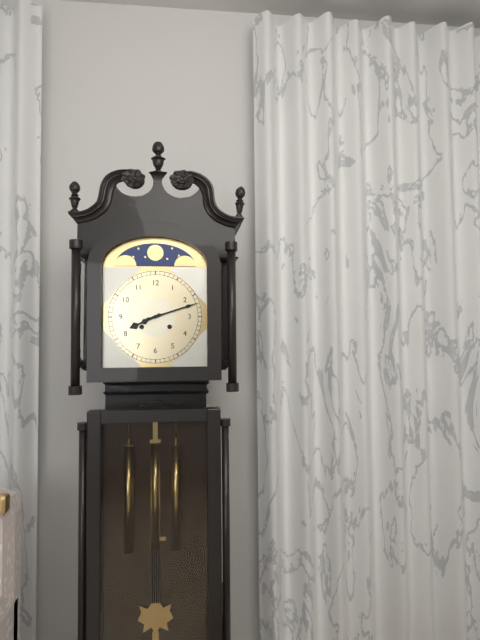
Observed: 8h12
